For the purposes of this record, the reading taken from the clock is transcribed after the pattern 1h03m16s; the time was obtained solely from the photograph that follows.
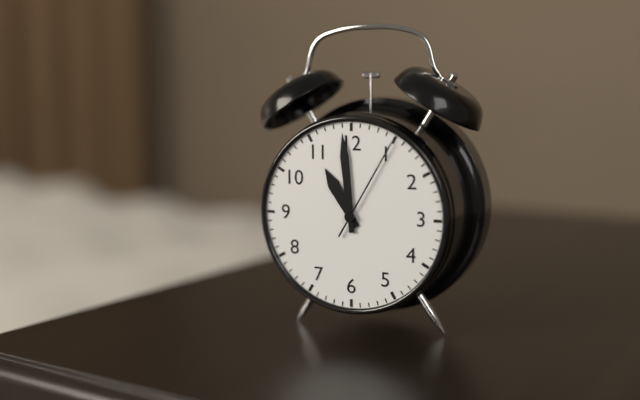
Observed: 10h59m05s
